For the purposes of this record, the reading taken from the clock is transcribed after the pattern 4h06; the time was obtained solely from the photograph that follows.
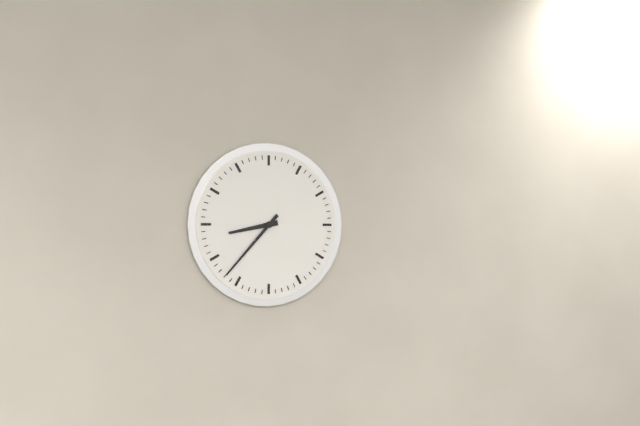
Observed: 8h37
